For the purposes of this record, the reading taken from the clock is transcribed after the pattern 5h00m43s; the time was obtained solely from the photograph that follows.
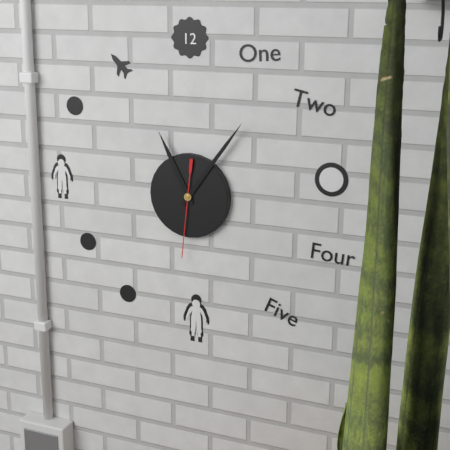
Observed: 11h06m31s
